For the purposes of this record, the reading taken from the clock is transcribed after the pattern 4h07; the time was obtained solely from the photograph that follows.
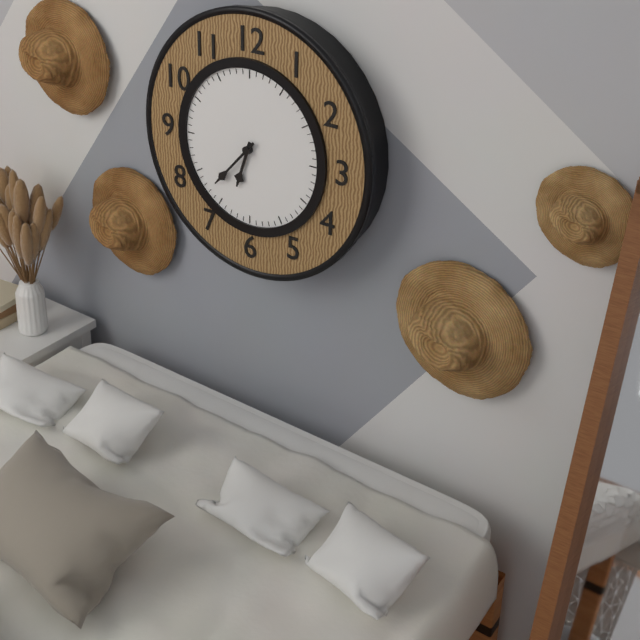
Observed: 6h37
